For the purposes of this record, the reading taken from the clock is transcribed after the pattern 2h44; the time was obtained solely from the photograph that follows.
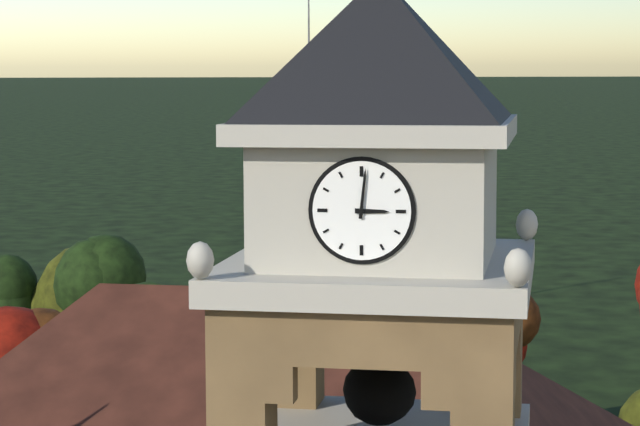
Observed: 3h01
